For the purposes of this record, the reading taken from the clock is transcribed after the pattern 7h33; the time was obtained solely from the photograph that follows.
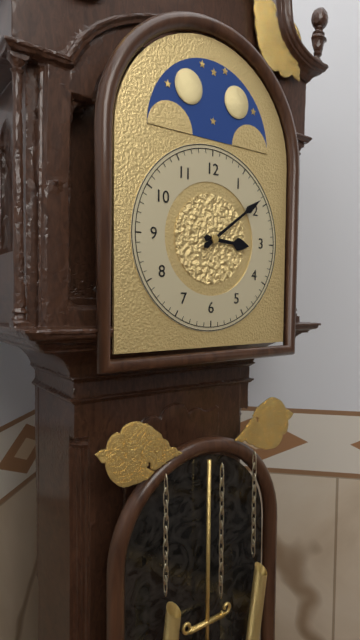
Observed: 3h09
